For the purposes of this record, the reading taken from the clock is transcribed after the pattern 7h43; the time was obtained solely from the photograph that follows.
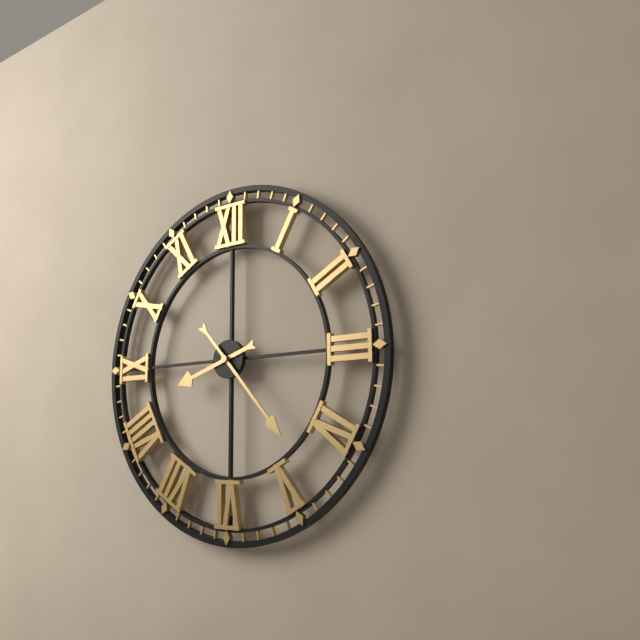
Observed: 8h23
